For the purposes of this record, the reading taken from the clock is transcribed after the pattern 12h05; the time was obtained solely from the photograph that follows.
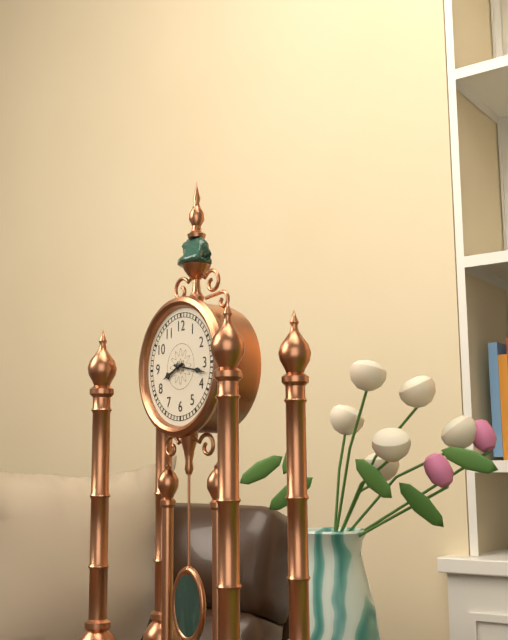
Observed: 8h17
